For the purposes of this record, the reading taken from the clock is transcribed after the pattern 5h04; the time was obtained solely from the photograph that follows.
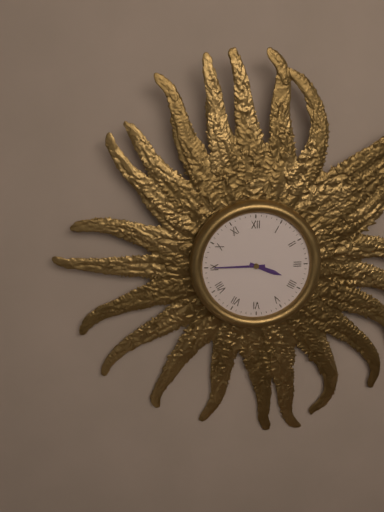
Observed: 3h45
